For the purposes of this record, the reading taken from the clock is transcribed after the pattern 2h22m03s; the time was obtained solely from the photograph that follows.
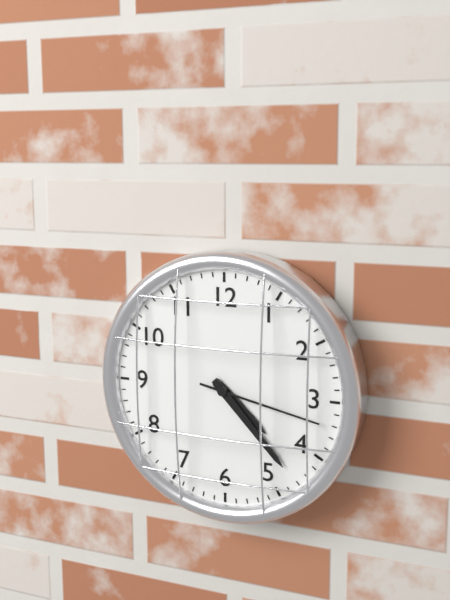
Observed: 4h23m17s
